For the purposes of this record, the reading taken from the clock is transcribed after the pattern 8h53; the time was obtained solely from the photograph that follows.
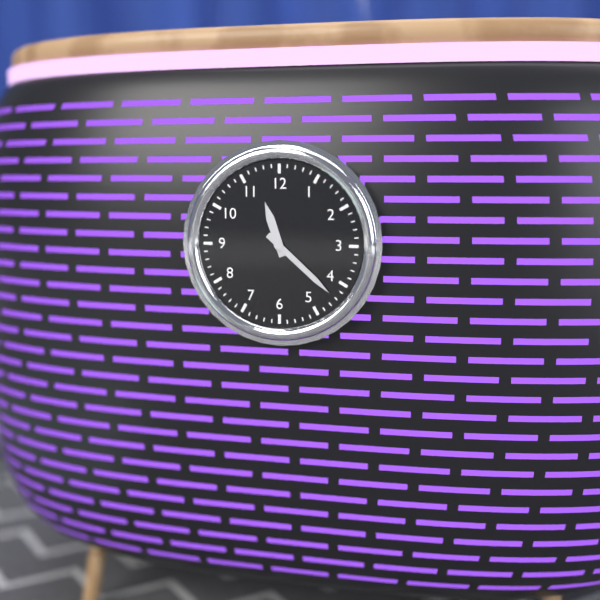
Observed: 11h22
